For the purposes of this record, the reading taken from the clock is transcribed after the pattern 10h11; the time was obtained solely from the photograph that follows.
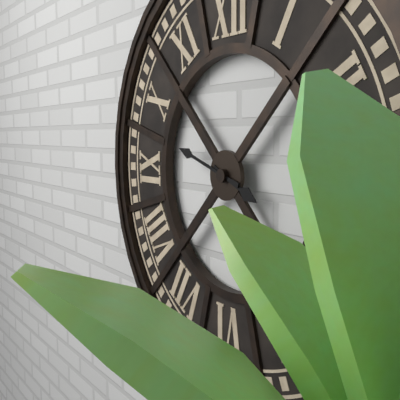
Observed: 3h48
